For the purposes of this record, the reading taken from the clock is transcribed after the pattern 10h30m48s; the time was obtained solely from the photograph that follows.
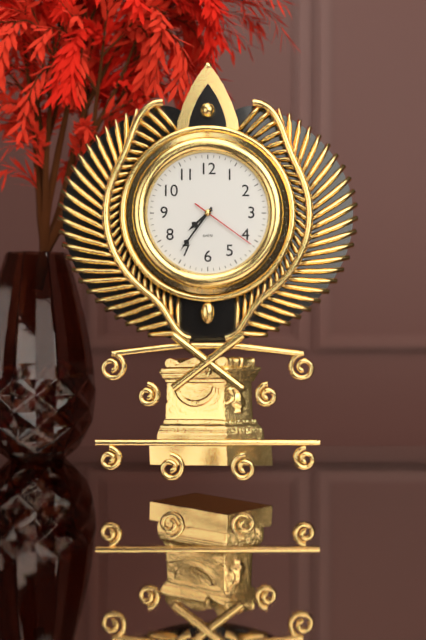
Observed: 7h36m21s
